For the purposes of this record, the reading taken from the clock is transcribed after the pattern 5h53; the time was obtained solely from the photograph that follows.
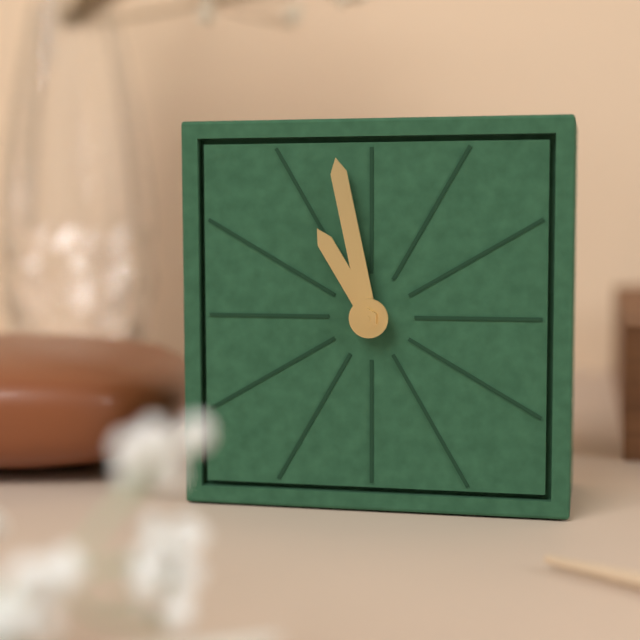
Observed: 10h58
